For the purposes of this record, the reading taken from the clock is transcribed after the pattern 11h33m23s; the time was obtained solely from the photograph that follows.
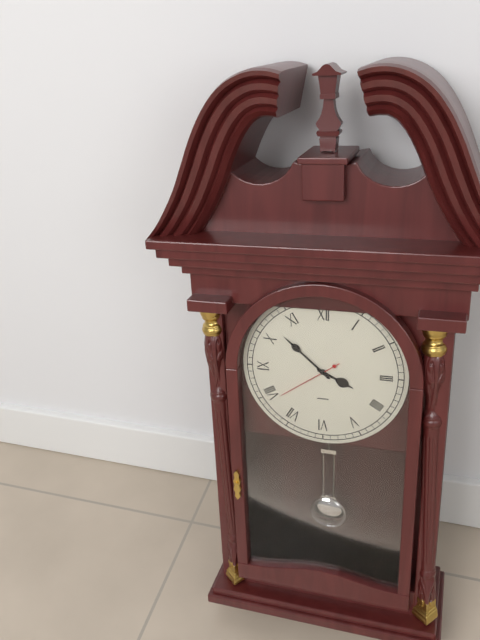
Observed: 3h52m39s
